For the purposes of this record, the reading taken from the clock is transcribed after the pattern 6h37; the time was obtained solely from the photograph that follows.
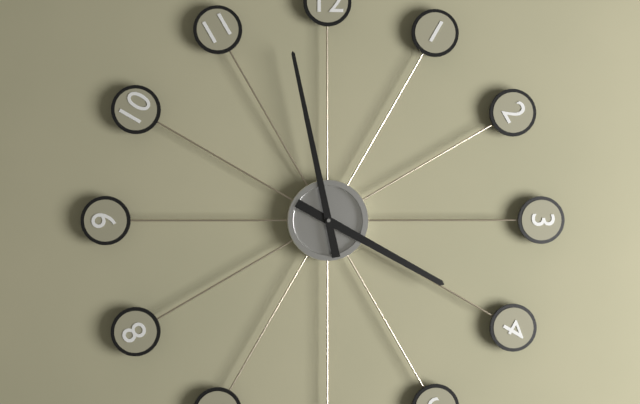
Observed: 3h58
